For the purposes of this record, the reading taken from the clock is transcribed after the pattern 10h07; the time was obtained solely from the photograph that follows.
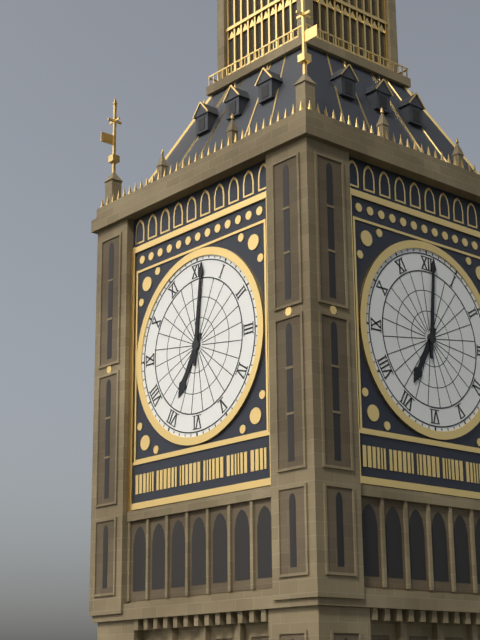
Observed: 7h01
